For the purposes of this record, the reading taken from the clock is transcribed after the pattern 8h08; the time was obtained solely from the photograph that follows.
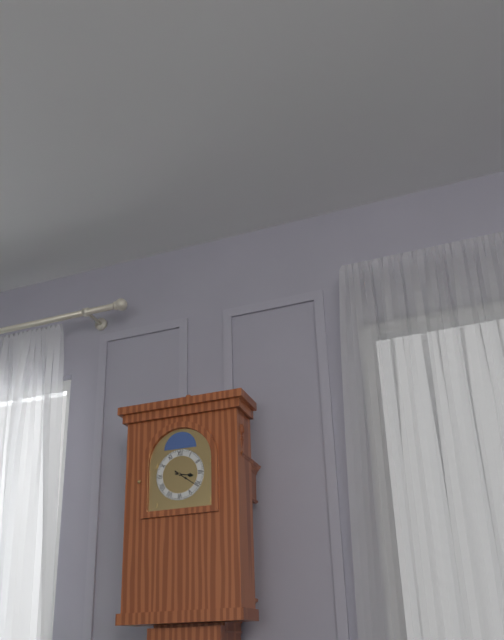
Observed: 3h21
